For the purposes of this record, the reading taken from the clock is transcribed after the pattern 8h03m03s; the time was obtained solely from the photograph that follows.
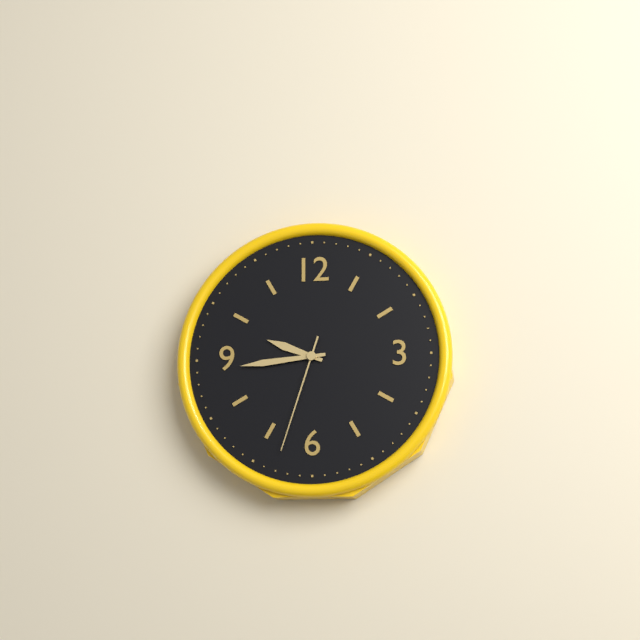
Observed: 9h44m33s
